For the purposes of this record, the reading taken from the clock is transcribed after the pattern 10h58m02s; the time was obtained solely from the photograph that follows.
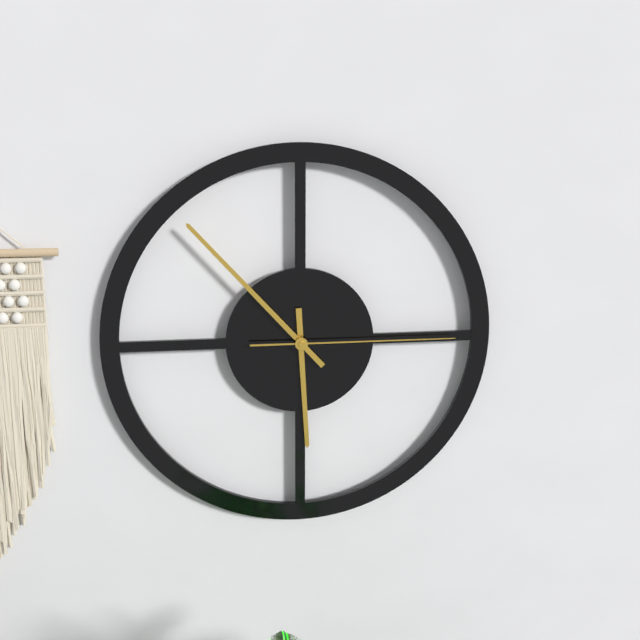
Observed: 5h53m15s
